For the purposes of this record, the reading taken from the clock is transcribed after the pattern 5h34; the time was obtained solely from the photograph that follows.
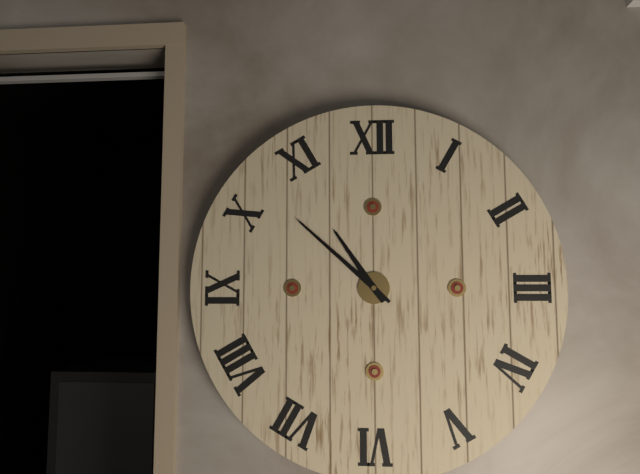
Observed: 10h52
